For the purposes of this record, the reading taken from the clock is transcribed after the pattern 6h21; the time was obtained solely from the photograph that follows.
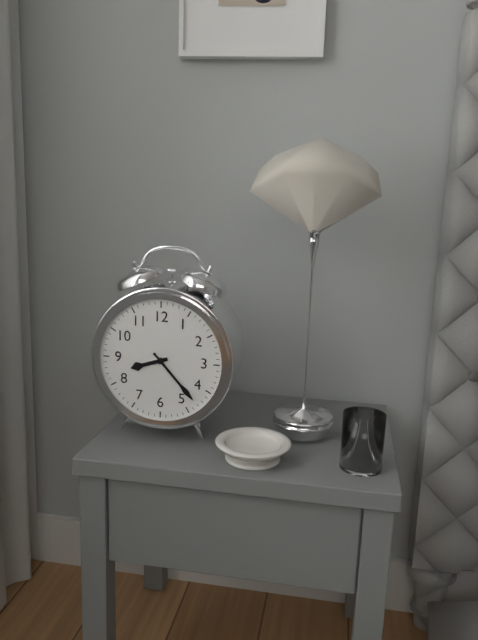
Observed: 8h23
